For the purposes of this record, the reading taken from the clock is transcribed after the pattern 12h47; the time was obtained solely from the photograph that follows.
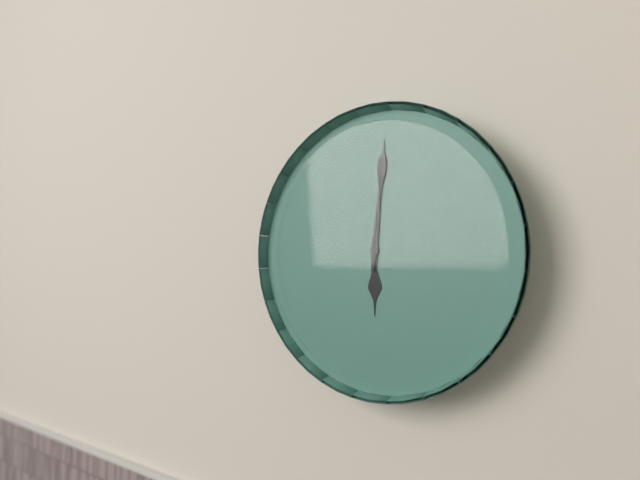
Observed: 6h01
